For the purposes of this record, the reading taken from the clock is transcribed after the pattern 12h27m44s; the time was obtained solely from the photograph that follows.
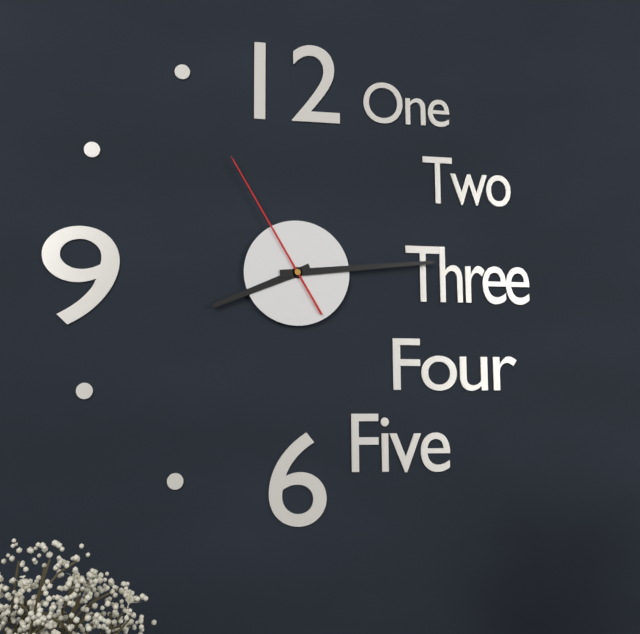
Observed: 8h14m55s
